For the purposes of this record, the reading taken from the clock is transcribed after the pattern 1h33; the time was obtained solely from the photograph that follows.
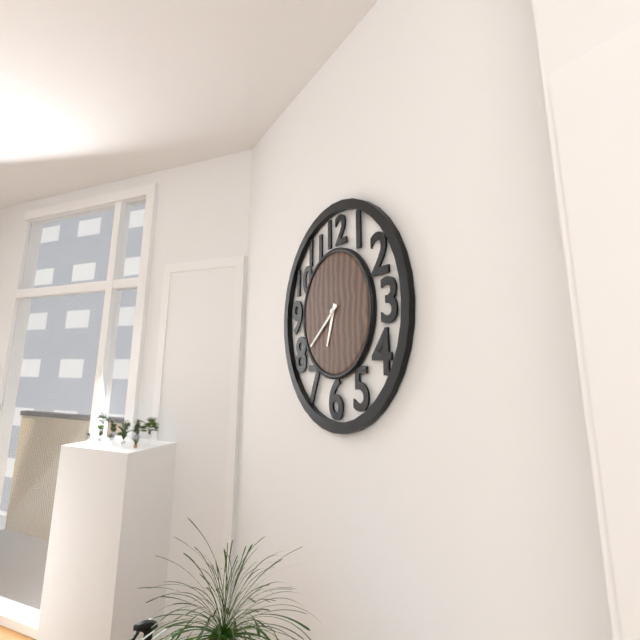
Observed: 6h39
